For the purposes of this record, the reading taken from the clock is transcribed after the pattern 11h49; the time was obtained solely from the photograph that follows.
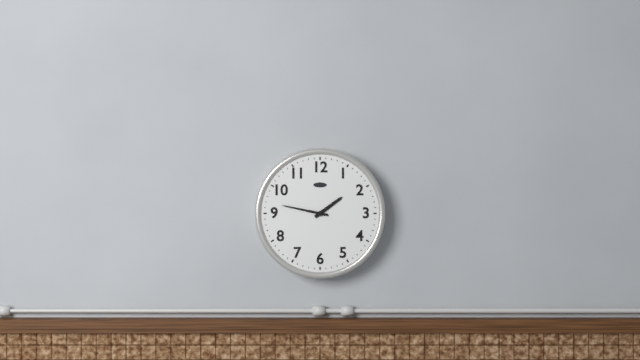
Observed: 1h47
